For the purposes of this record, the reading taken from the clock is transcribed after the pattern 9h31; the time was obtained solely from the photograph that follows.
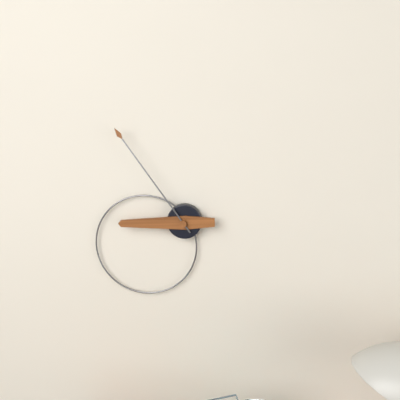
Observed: 8h54
